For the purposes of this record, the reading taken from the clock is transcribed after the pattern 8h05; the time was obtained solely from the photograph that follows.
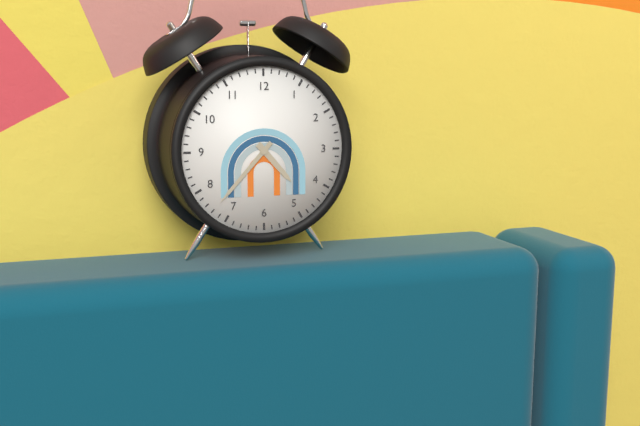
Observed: 4h37
